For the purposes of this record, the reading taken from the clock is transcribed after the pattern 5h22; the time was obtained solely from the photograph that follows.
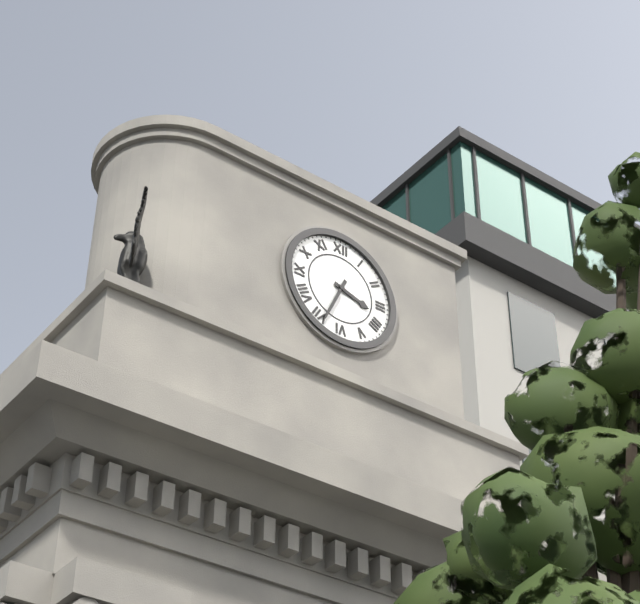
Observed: 3h34
